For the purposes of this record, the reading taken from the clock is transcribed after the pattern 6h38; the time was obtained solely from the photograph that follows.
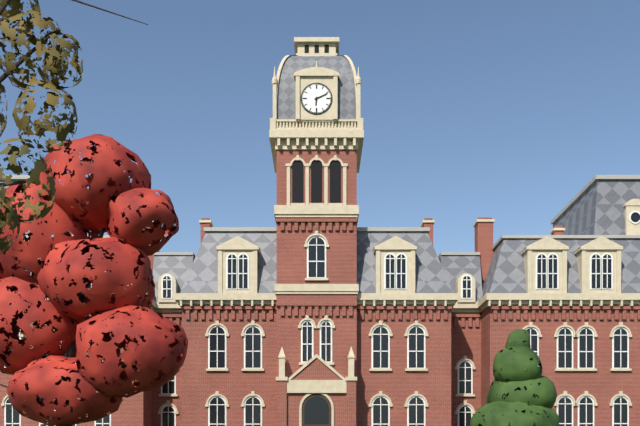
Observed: 6h11
